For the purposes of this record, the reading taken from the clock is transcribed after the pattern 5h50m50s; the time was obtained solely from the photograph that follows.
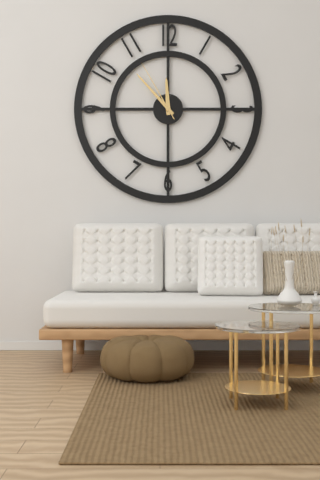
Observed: 11h53m55s
